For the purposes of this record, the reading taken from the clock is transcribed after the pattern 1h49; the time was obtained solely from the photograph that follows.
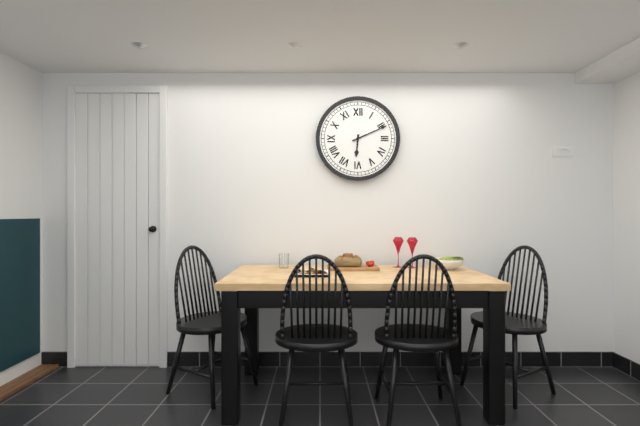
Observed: 6h11
